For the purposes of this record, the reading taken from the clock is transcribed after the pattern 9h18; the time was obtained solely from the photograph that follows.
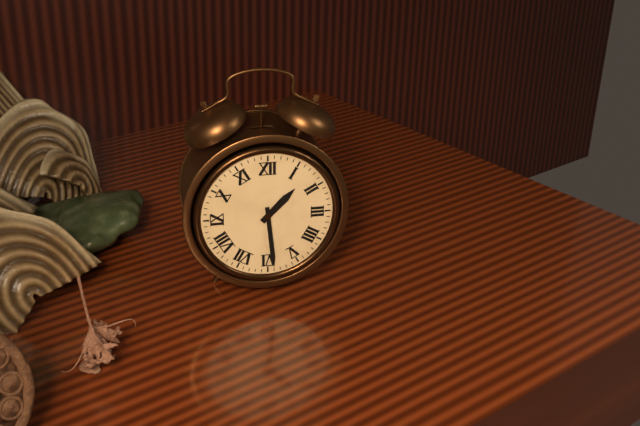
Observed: 1h29
